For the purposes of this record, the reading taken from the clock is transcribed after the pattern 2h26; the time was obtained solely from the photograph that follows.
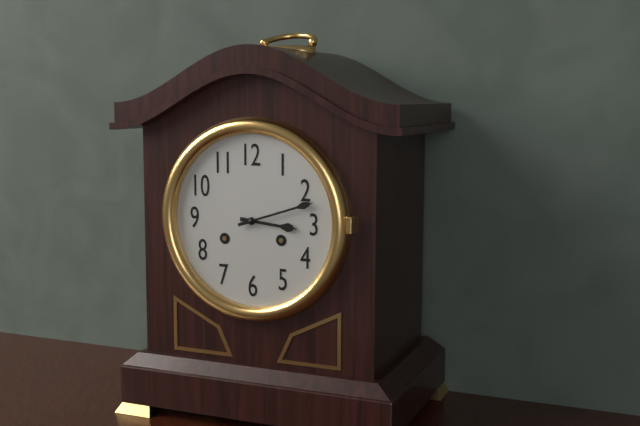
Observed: 3h12
